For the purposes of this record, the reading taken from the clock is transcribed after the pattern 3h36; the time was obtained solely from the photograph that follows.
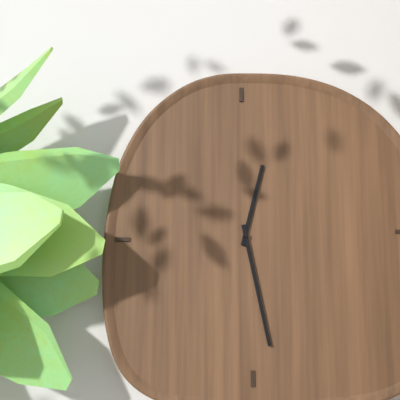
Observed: 12h28
